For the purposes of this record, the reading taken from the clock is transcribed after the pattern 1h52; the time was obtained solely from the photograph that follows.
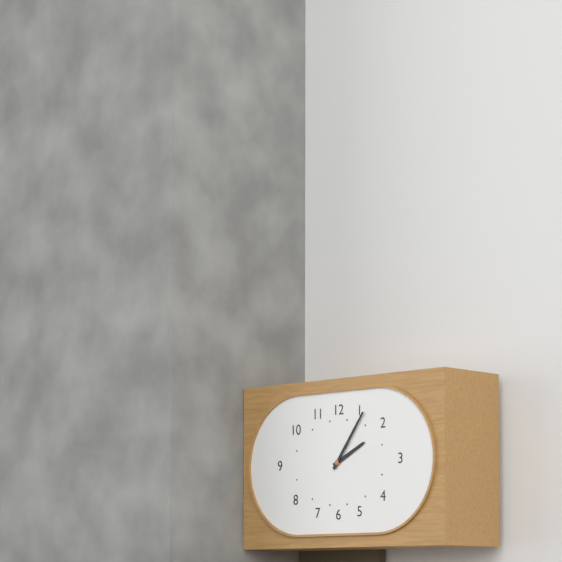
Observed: 2h06
